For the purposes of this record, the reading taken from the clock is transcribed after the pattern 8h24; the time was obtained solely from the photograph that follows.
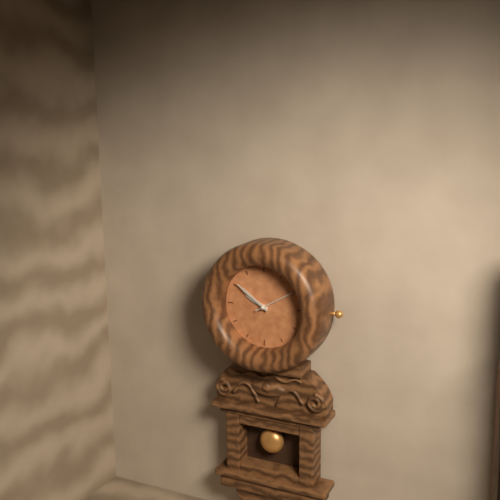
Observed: 9h51
